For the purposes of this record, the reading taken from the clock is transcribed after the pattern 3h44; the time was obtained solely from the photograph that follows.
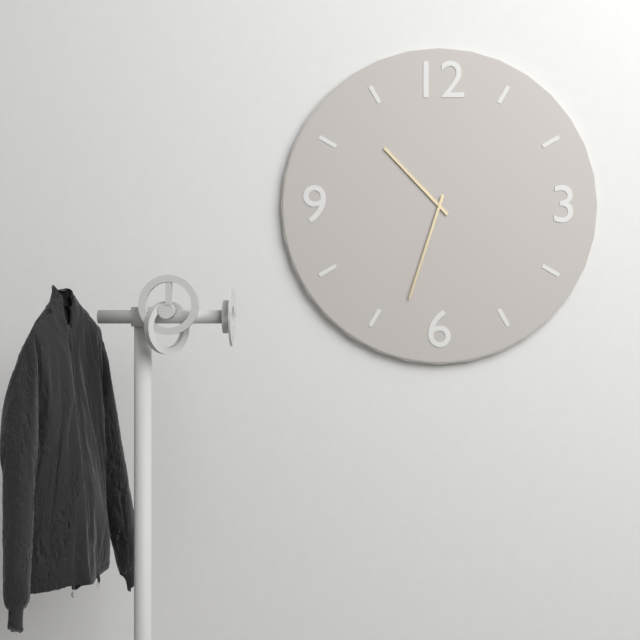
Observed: 10h33
